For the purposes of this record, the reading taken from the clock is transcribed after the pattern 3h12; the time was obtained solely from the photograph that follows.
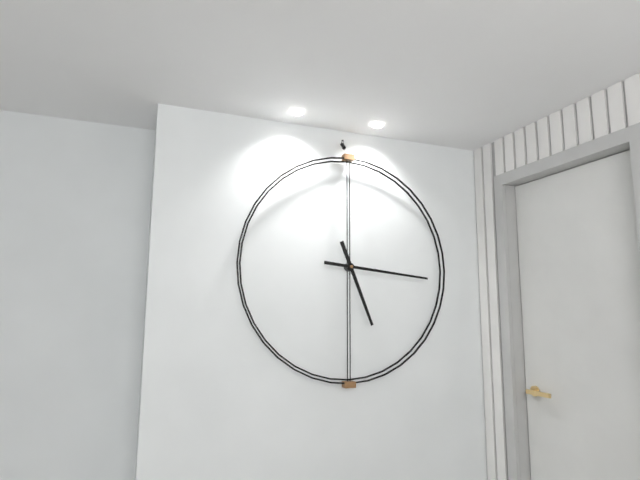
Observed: 5h16
